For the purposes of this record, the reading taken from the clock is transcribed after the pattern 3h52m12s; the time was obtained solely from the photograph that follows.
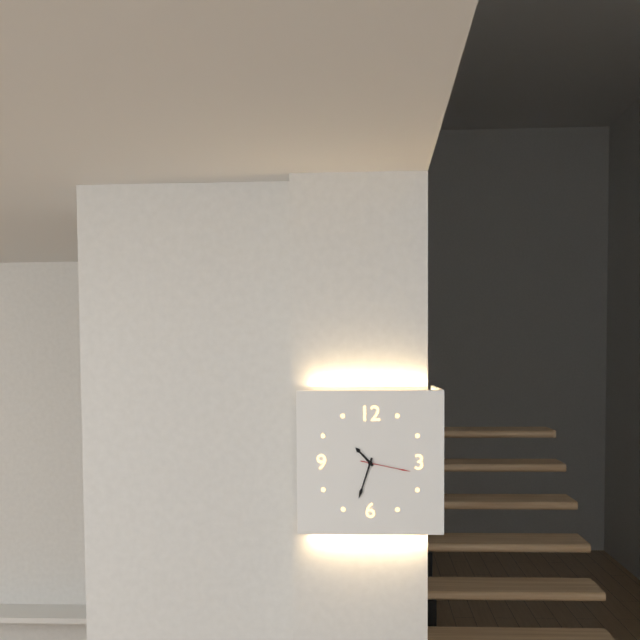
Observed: 10h33m17s
